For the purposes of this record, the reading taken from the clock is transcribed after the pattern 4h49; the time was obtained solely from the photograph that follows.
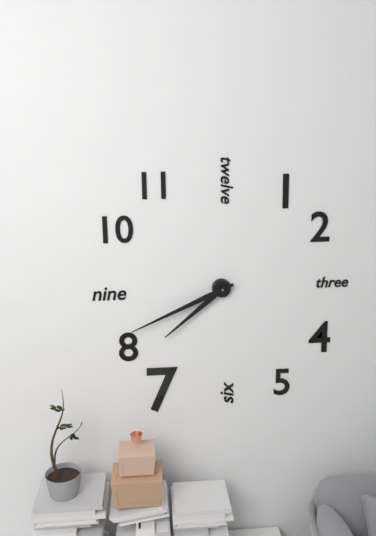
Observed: 7h41
